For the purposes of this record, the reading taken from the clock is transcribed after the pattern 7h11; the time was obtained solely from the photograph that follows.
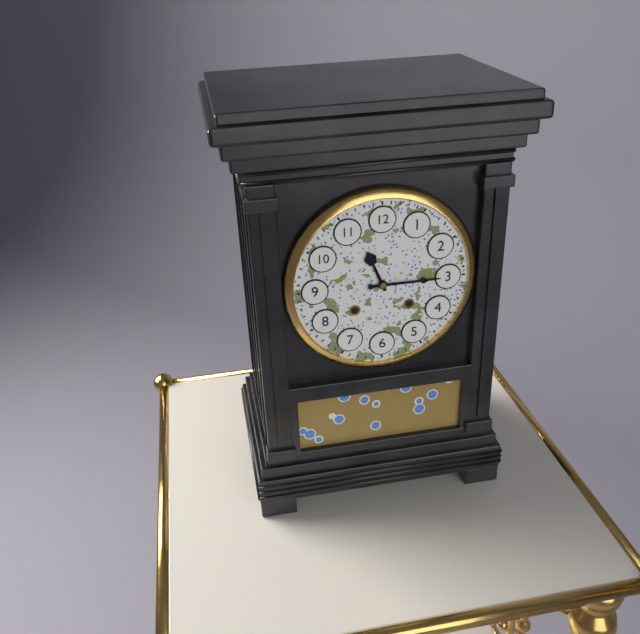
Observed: 11h15
